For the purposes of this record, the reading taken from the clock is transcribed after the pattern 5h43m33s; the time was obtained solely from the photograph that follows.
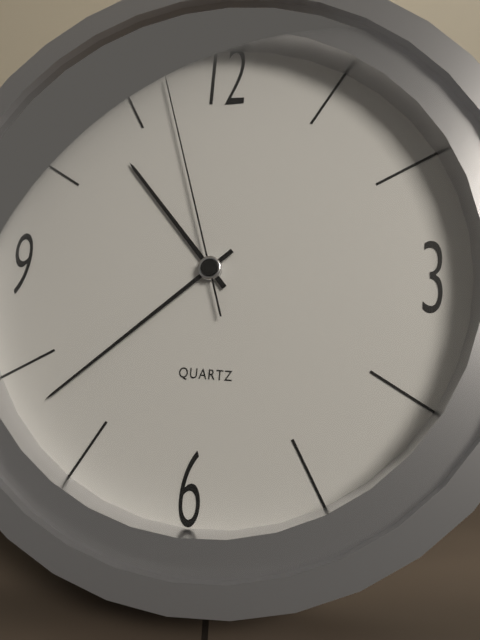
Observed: 10h38m57s
